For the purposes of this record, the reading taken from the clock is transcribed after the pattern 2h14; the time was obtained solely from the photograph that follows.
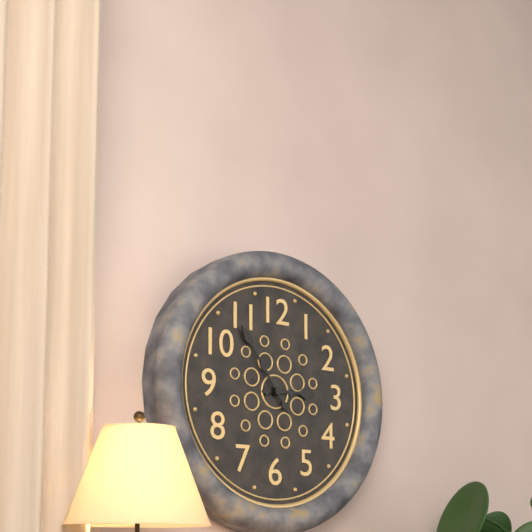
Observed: 2h54
